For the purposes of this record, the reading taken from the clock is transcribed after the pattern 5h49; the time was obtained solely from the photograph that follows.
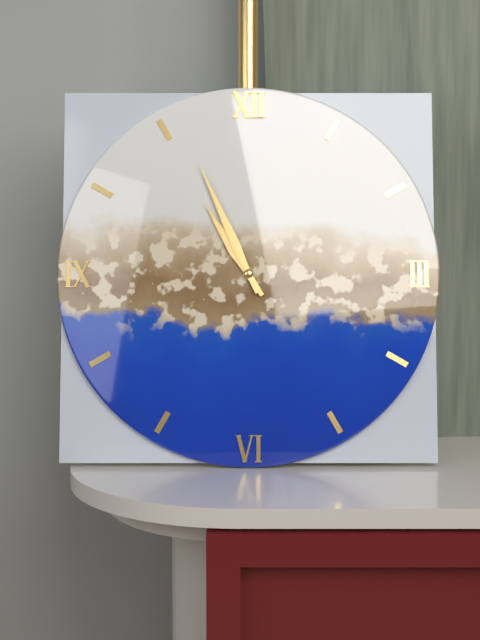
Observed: 10h56
